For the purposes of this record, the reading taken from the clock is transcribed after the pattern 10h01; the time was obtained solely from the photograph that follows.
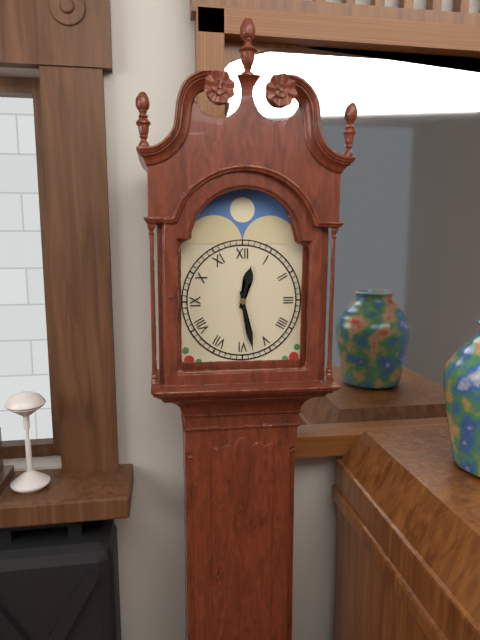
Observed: 12h28
